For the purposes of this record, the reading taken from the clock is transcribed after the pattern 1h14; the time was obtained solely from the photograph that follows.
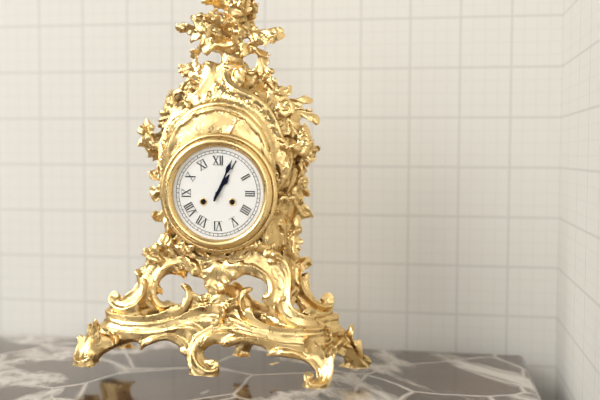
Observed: 1h04
